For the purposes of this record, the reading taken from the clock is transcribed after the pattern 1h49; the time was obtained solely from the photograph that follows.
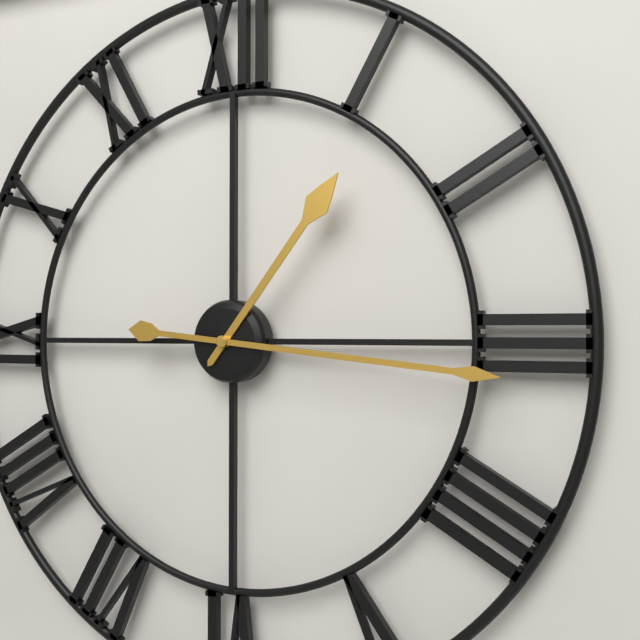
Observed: 1h16
